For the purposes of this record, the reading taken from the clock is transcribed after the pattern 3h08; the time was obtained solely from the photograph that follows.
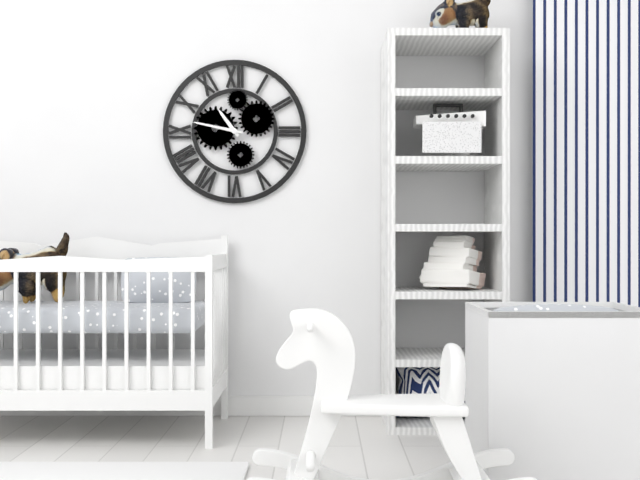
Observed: 10h47
